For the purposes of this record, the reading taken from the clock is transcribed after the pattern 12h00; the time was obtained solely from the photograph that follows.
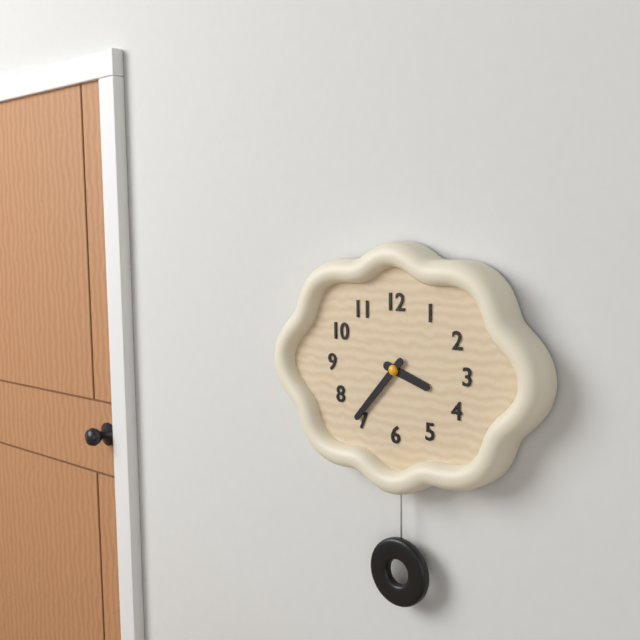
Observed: 3h37
